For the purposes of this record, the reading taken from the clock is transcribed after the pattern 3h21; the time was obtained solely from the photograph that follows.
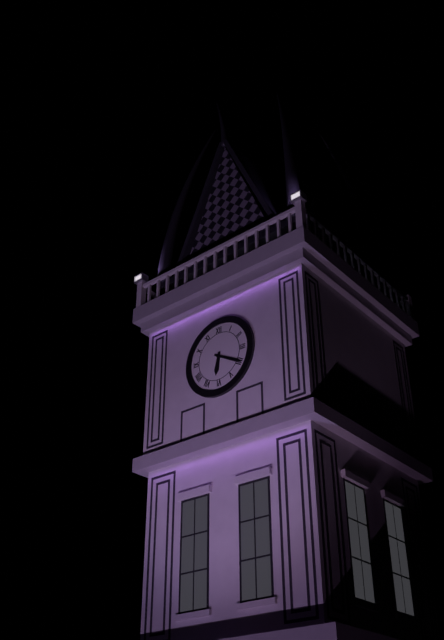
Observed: 6h20
